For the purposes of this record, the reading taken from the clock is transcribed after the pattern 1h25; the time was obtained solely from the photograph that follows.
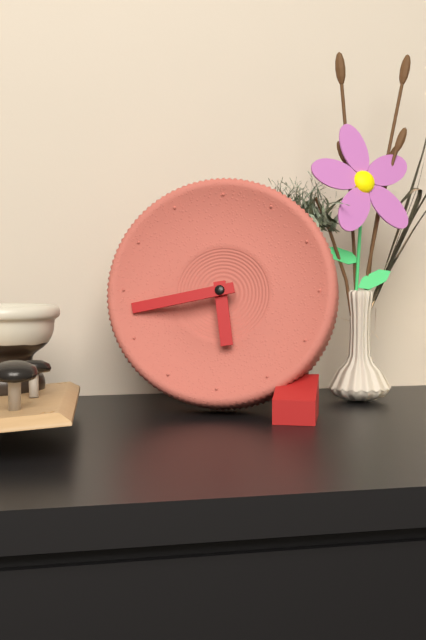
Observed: 5h43
